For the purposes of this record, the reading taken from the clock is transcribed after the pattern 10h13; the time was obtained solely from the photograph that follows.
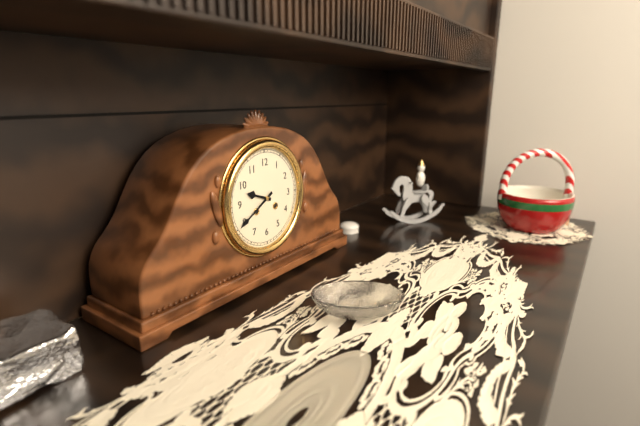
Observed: 9h40
